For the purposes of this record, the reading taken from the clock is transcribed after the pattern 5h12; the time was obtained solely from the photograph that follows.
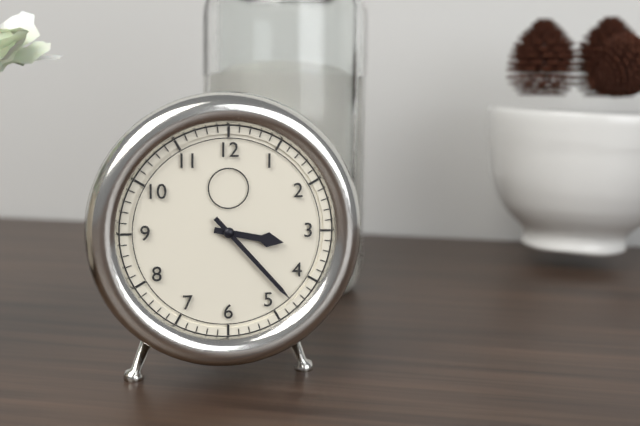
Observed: 3h23
